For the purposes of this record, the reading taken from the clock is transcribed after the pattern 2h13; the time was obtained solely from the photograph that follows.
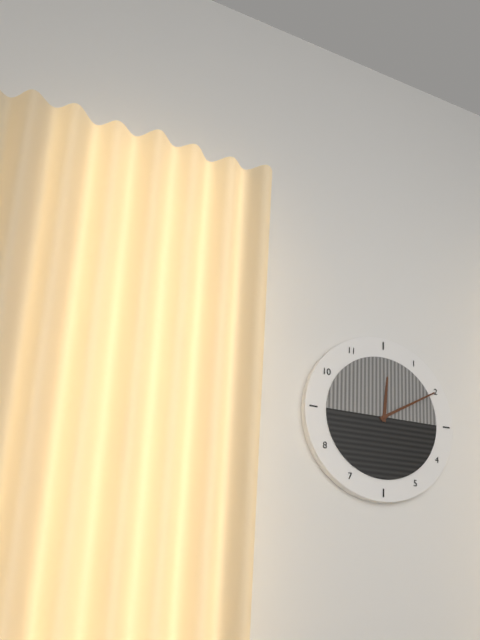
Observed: 12h10
